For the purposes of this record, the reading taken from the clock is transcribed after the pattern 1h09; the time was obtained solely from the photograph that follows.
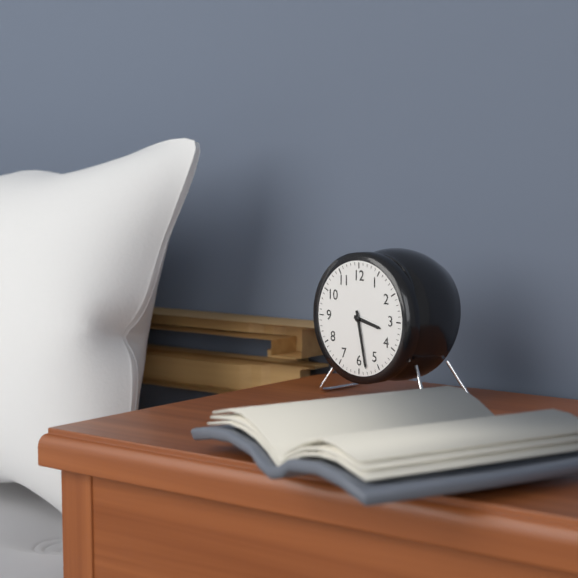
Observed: 3h28
